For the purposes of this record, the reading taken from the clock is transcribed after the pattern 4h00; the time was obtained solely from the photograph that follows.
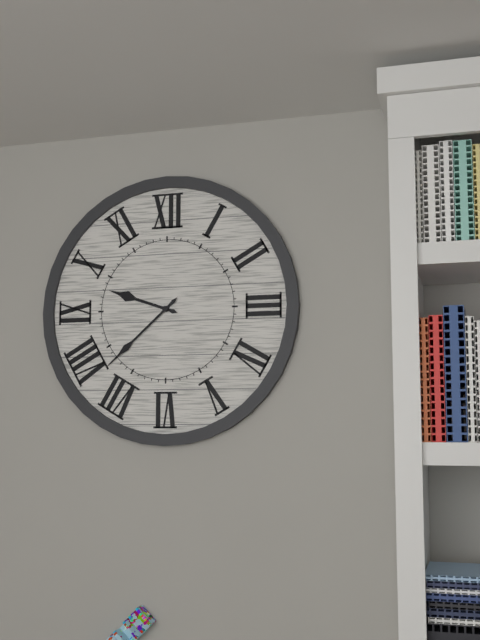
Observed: 9h38
